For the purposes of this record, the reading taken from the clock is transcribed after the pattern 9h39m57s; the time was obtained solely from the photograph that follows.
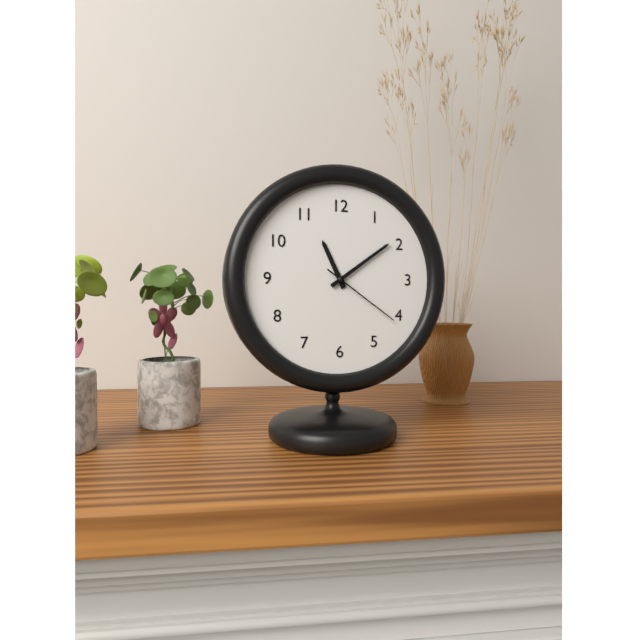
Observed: 11h09m21s
